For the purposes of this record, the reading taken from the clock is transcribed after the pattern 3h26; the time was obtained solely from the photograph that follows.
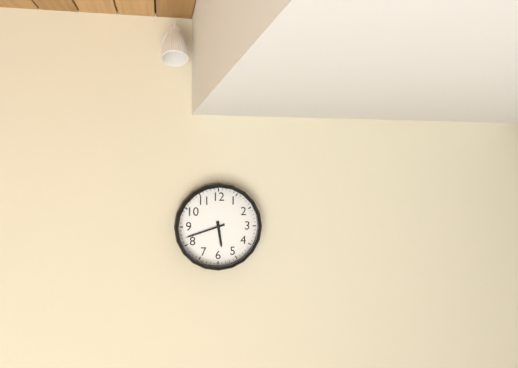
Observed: 5h42
